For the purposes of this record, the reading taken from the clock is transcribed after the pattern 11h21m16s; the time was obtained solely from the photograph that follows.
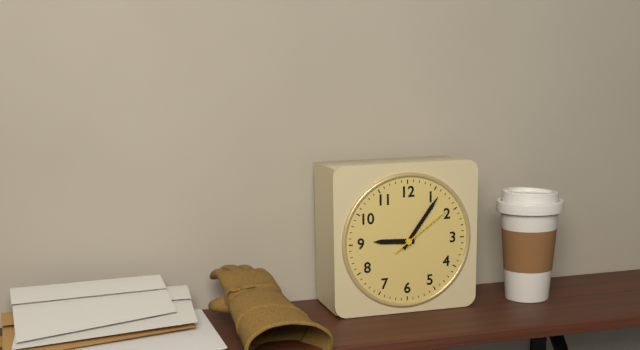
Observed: 9h06m09s
